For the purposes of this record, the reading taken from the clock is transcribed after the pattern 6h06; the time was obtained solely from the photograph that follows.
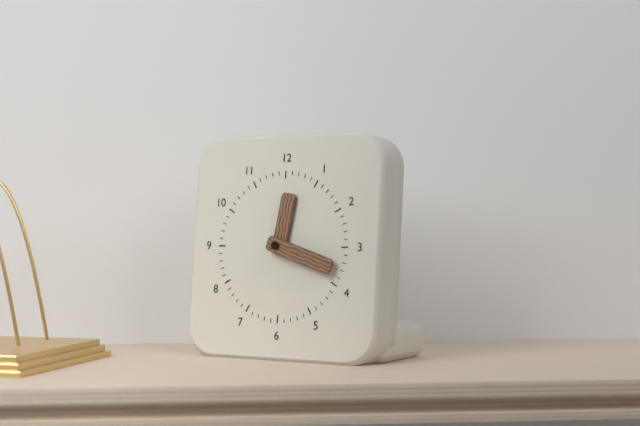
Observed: 12h18
